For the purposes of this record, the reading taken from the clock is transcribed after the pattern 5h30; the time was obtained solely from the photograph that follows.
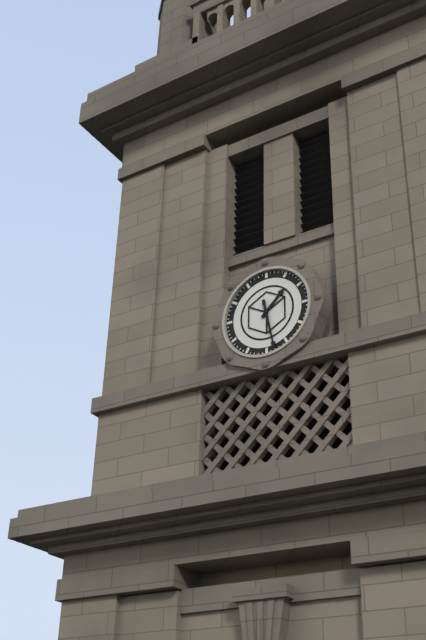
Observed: 1h28
